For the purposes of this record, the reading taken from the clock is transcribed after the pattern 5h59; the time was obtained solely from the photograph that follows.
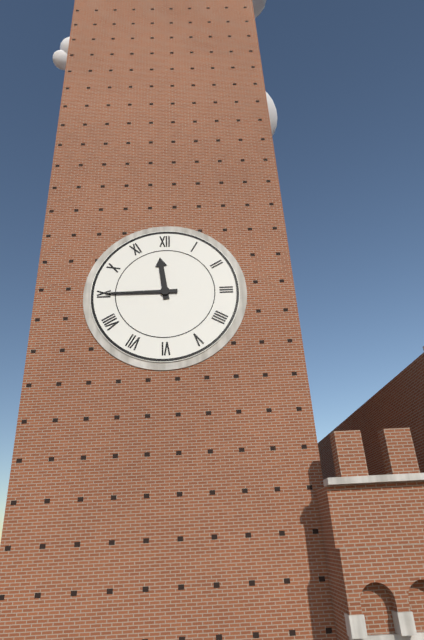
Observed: 11h45
